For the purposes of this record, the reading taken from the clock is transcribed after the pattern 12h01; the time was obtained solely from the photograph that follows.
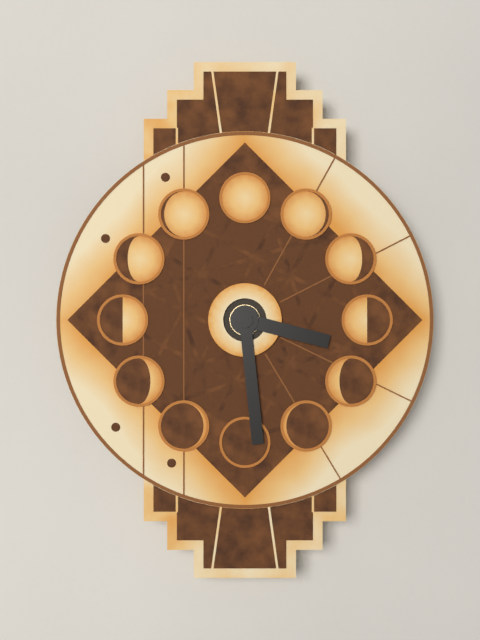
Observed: 3h29
